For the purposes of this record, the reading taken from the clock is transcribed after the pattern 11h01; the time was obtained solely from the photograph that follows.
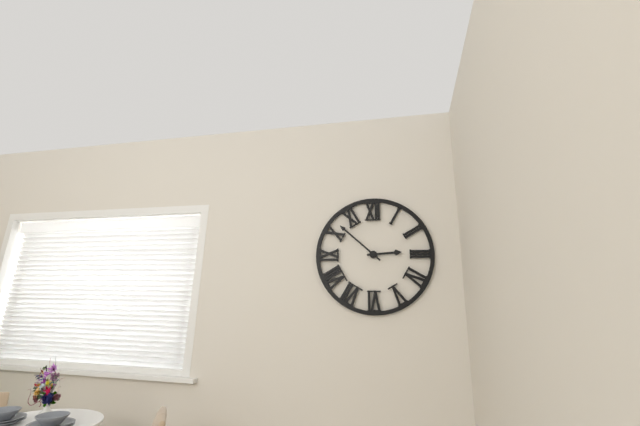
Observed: 2h52
